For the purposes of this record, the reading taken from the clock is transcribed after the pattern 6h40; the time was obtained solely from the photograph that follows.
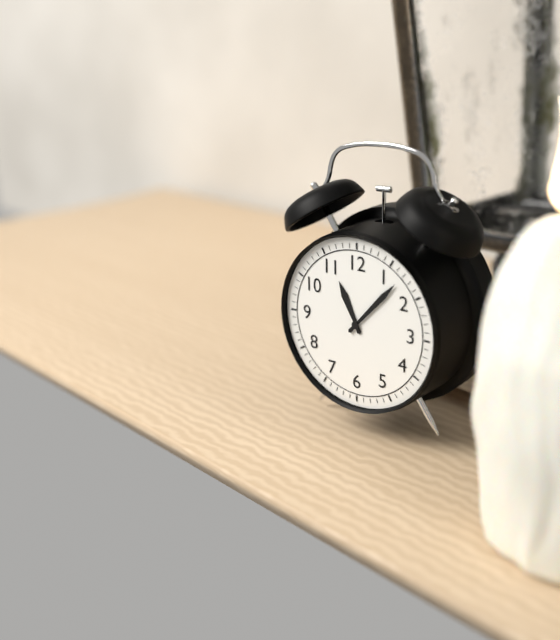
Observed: 11h07
